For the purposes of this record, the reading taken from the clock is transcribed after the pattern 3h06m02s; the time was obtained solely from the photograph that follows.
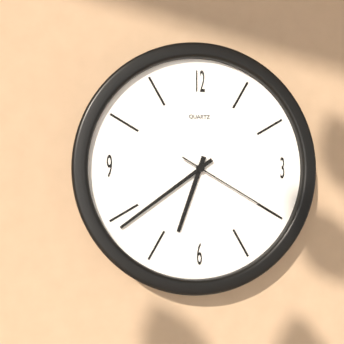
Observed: 6h39m20s
